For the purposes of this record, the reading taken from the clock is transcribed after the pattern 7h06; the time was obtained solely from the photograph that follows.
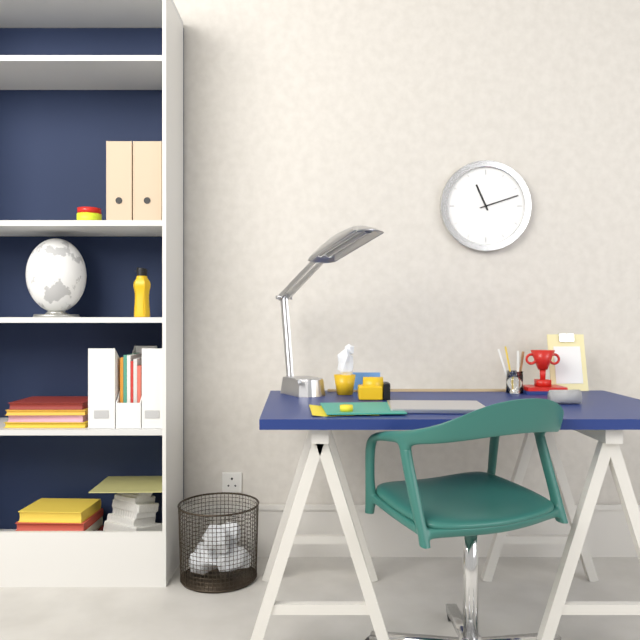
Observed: 11h12
